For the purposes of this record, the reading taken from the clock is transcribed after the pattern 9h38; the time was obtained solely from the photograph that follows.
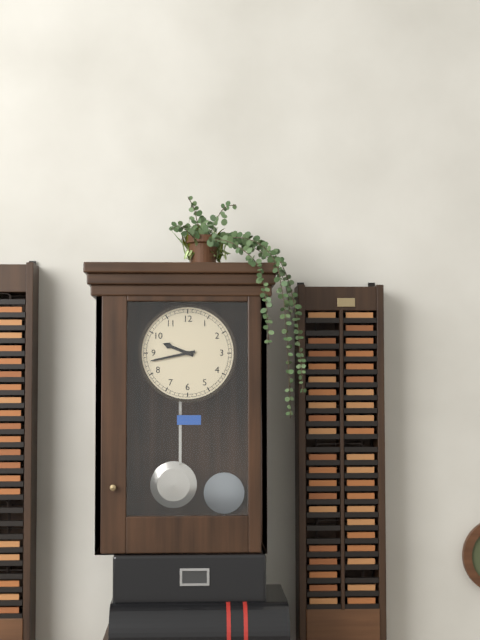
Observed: 9h43
